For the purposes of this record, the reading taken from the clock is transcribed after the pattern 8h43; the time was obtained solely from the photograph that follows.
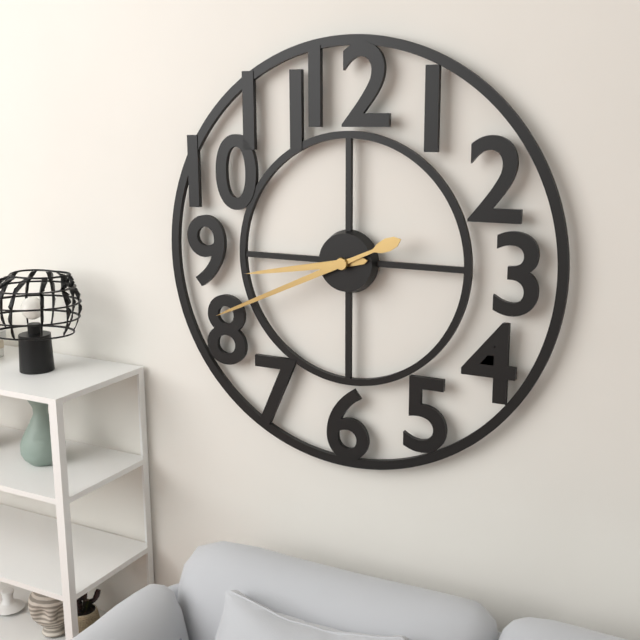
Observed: 8h41
